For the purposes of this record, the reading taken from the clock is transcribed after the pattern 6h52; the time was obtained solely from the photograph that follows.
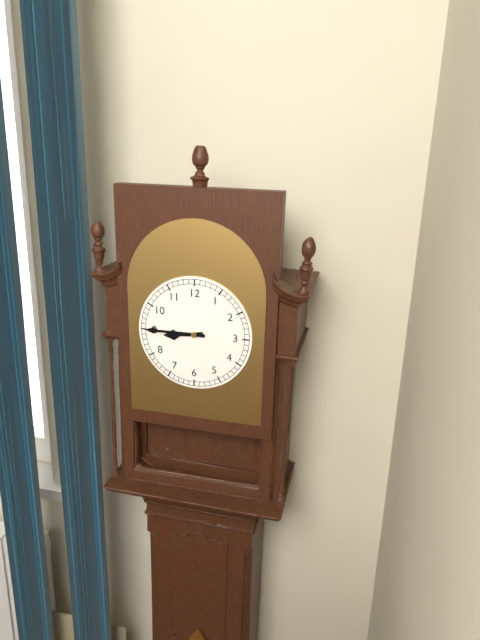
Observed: 8h45
